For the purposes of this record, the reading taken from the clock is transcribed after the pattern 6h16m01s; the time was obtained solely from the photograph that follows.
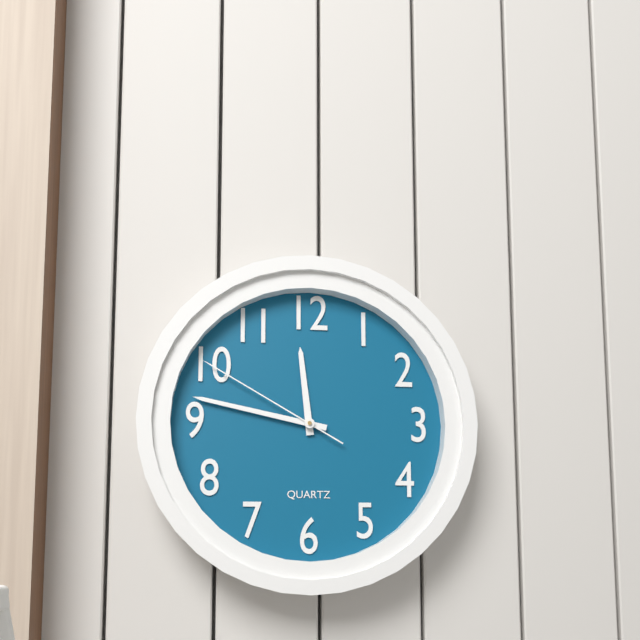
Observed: 11h47m50s
